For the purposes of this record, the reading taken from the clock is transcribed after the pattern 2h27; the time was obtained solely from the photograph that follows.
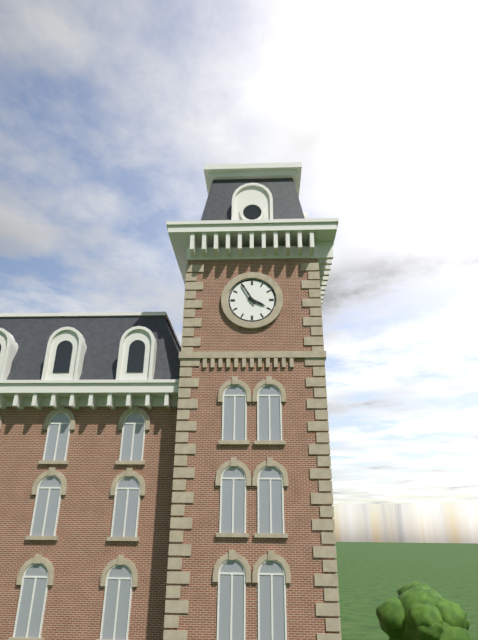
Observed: 3h55
